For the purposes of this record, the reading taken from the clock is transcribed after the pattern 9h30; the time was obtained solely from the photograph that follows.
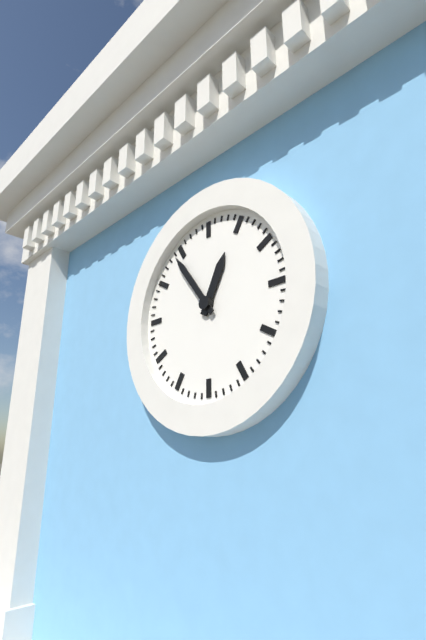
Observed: 12h54
